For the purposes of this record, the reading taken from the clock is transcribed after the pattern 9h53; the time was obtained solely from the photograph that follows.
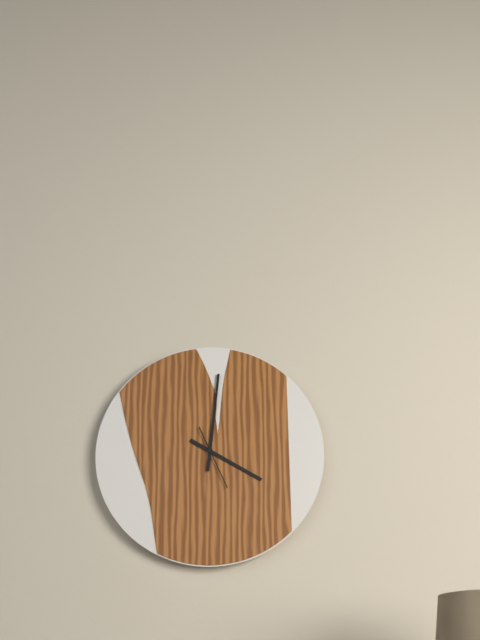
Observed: 4h01
